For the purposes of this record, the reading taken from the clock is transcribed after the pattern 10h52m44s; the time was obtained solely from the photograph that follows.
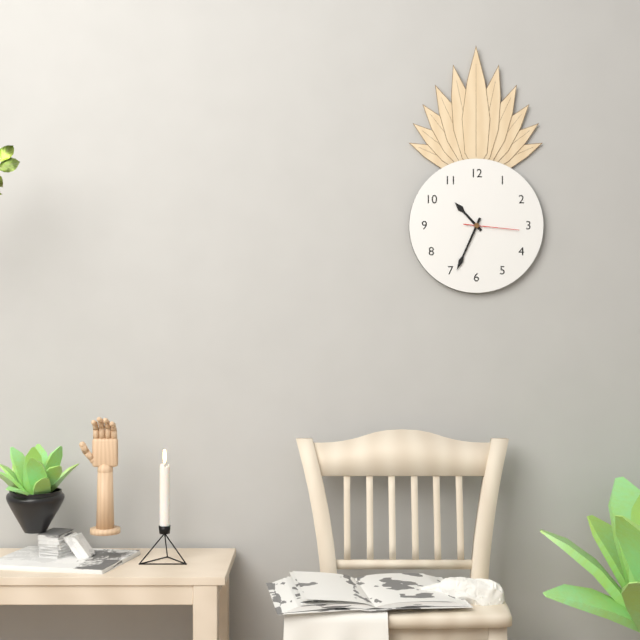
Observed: 10h34m16s
